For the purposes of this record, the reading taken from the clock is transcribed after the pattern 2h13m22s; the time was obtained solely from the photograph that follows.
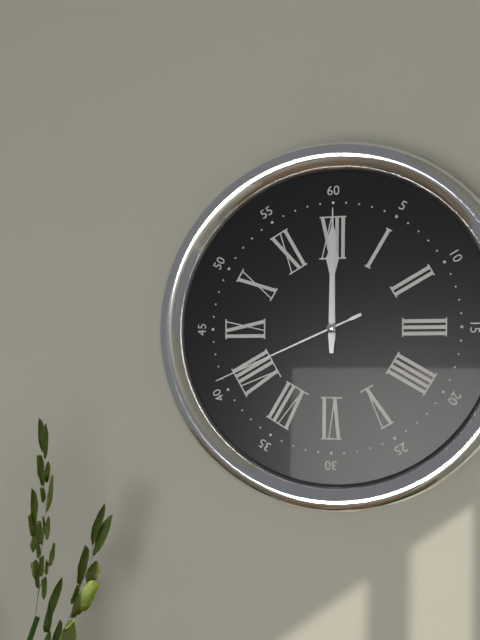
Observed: 12h00m41s
